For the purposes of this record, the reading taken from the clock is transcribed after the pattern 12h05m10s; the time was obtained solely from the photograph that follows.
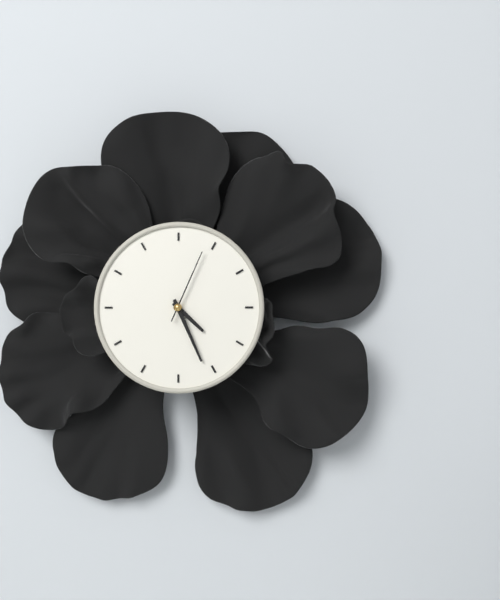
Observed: 4h26m04s
